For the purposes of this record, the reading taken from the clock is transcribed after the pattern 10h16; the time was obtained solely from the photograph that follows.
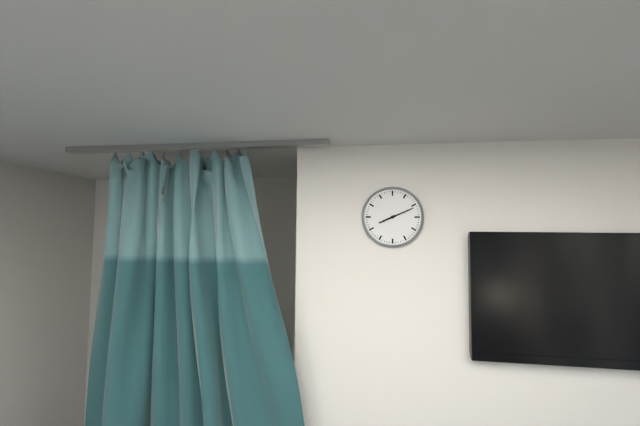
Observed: 8h11
